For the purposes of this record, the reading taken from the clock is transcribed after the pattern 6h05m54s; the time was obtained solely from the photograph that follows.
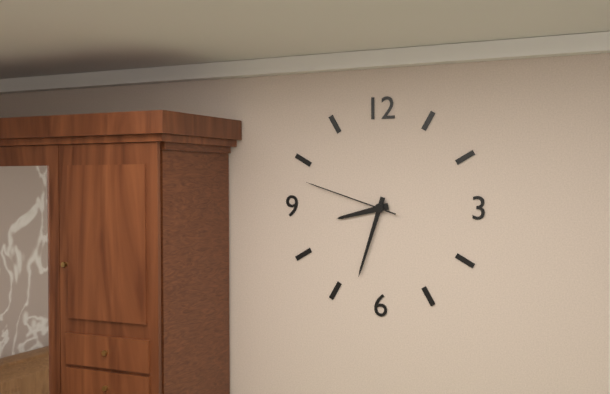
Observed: 8h33m48s
